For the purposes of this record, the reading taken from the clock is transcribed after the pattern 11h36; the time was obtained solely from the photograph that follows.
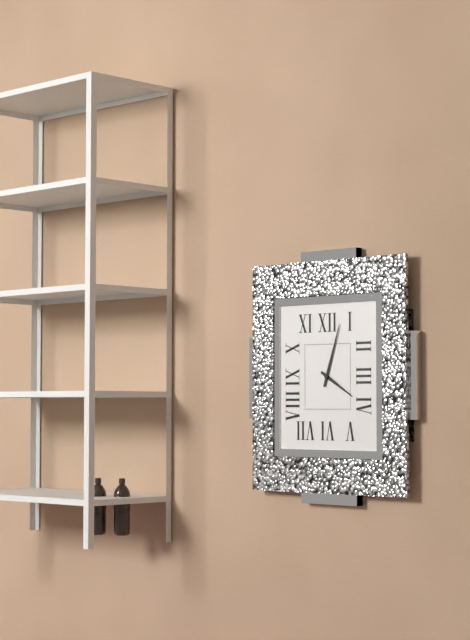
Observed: 4h03
